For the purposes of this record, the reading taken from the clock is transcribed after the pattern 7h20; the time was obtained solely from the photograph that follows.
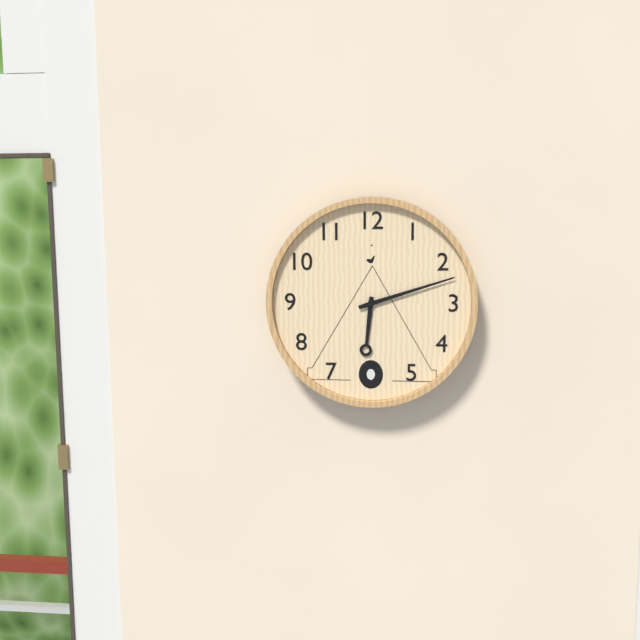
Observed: 6h12
